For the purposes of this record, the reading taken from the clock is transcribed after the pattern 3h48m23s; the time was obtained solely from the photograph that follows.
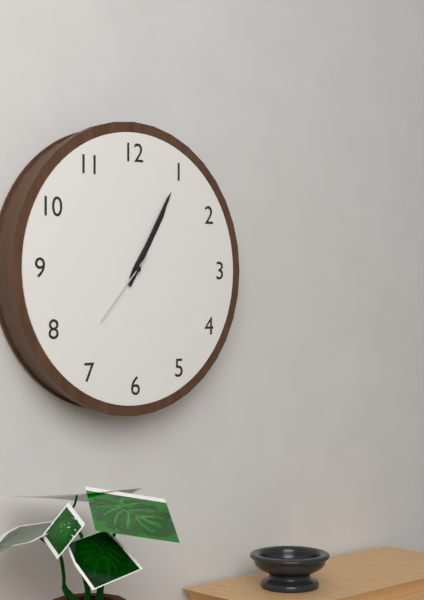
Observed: 1h05m37s
